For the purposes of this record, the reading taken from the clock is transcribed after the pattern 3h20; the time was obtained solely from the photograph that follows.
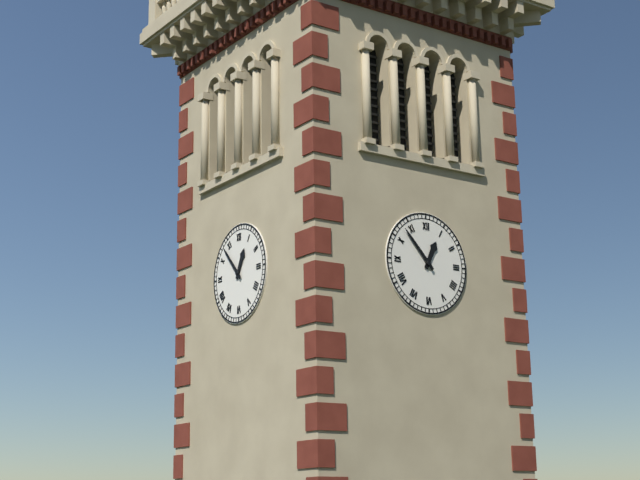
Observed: 12h53
